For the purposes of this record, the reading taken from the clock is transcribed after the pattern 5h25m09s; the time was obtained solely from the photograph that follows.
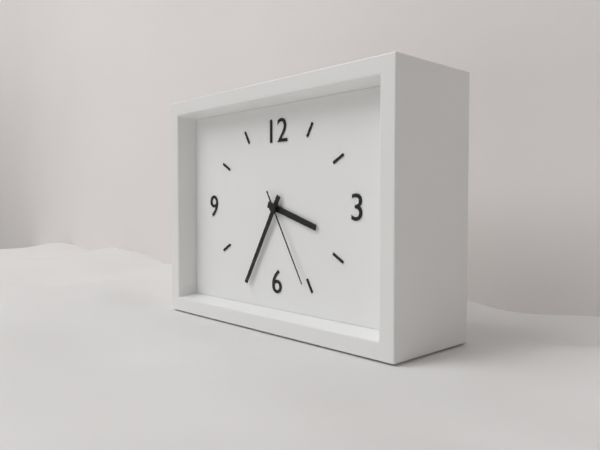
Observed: 3h35m25s
